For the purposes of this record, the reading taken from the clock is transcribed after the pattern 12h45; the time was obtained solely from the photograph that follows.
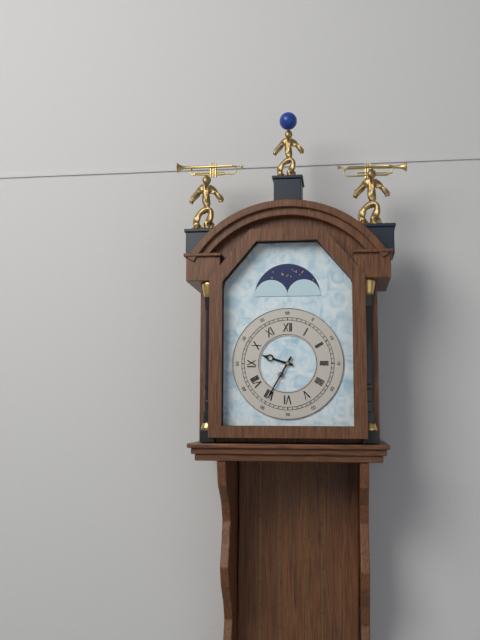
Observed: 9h35
